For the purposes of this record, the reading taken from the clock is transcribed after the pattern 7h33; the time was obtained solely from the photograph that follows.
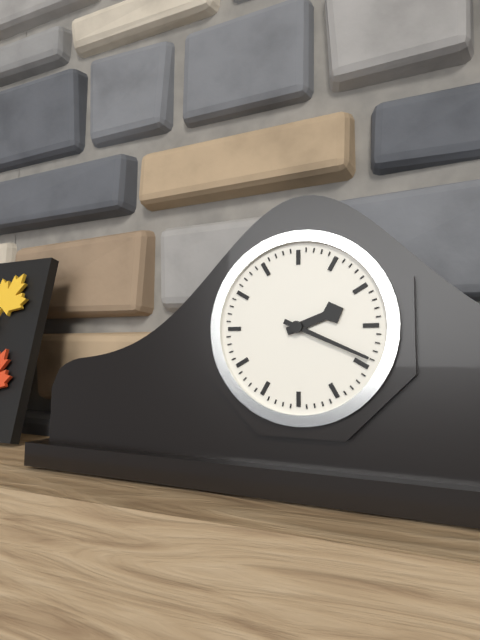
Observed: 2h19
